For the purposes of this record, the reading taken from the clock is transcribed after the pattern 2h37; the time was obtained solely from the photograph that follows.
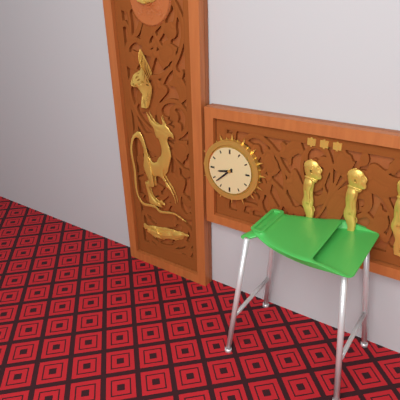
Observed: 8h38
